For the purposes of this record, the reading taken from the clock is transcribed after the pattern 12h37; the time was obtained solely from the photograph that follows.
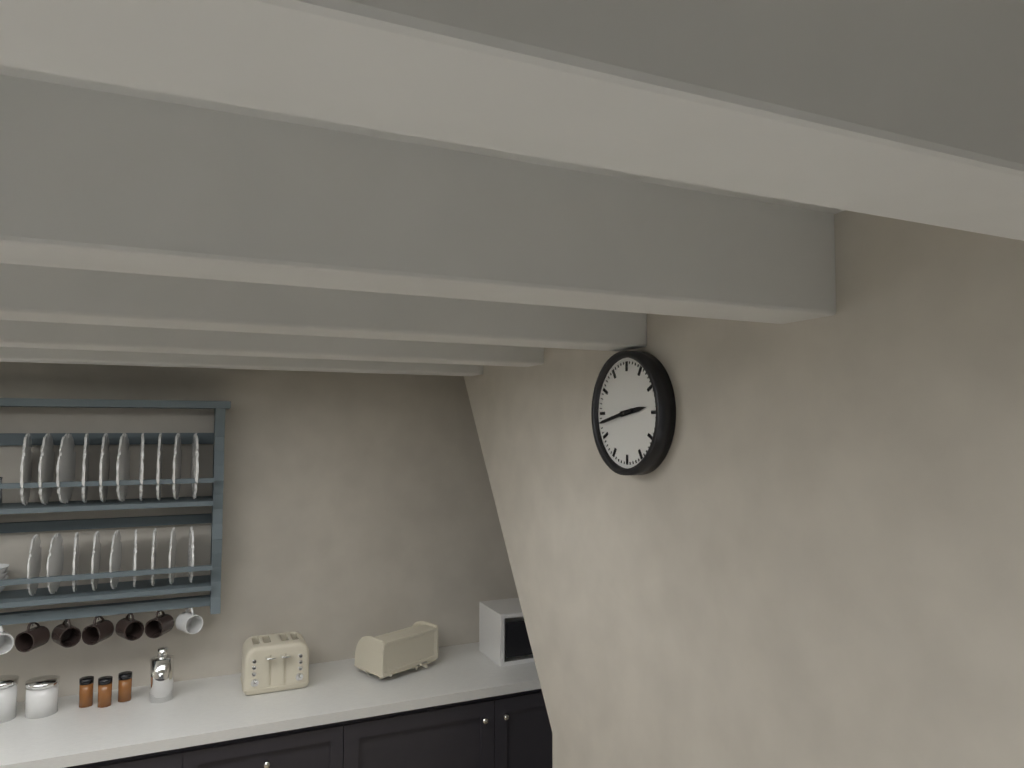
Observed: 2h43
